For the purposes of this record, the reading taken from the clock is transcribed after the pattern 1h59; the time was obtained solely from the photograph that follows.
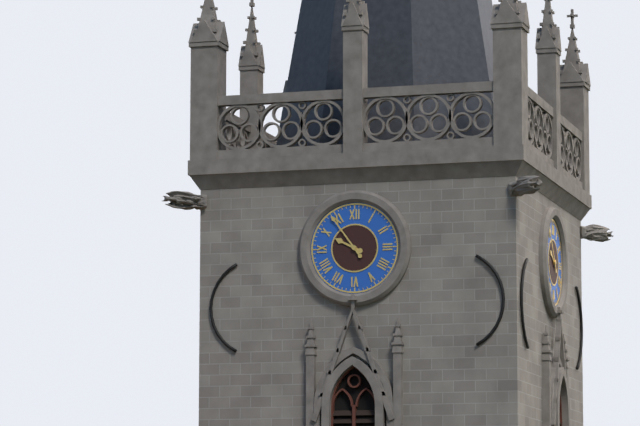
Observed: 9h54
